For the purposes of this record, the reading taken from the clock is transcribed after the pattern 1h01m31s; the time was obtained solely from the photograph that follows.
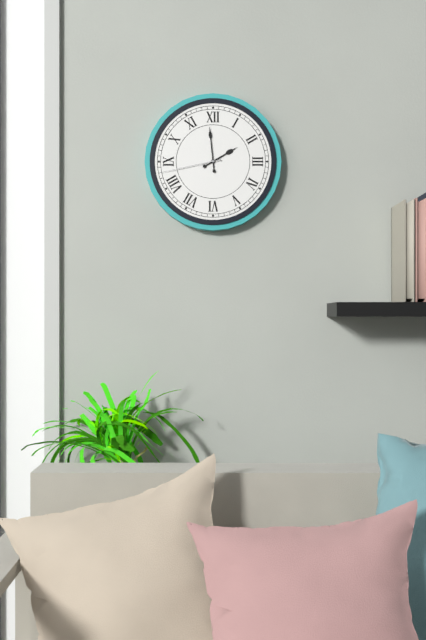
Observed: 1h59m43s
